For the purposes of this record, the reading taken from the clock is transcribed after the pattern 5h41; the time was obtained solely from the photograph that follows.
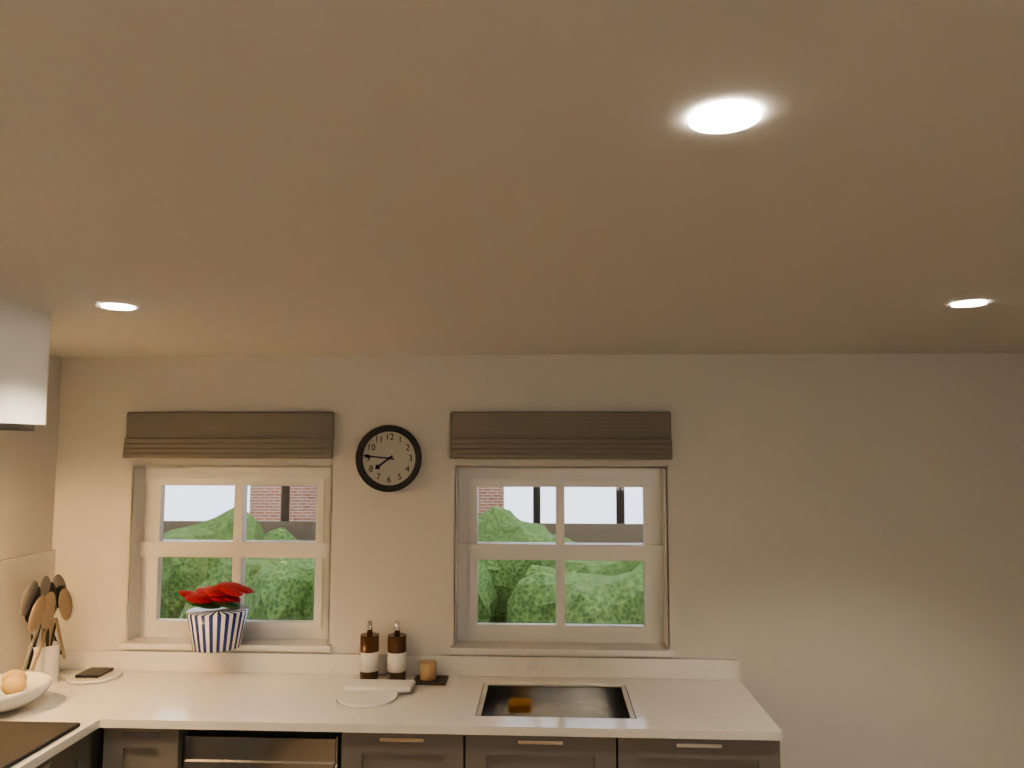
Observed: 7h46
